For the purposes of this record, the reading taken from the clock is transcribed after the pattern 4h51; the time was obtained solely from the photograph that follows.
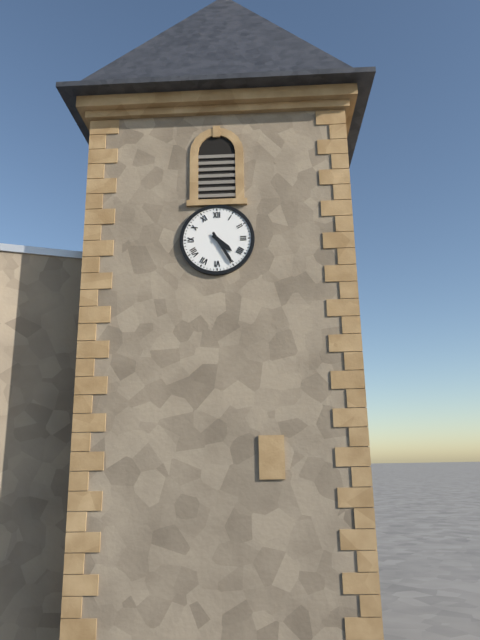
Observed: 4h25
